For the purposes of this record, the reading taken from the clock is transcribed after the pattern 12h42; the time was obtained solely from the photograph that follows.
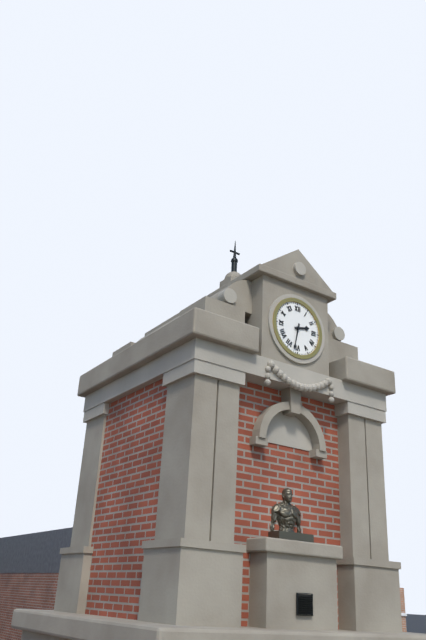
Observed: 2h32
